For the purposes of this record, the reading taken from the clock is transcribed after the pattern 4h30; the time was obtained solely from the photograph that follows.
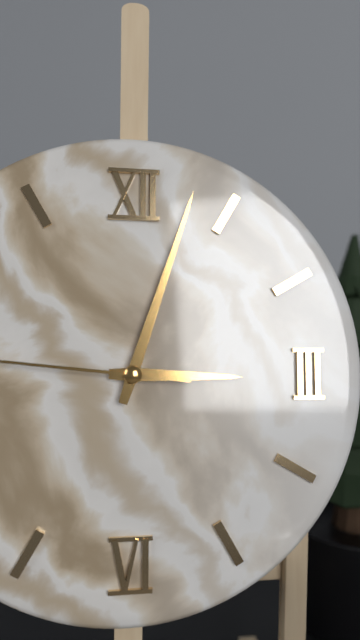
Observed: 3h03
